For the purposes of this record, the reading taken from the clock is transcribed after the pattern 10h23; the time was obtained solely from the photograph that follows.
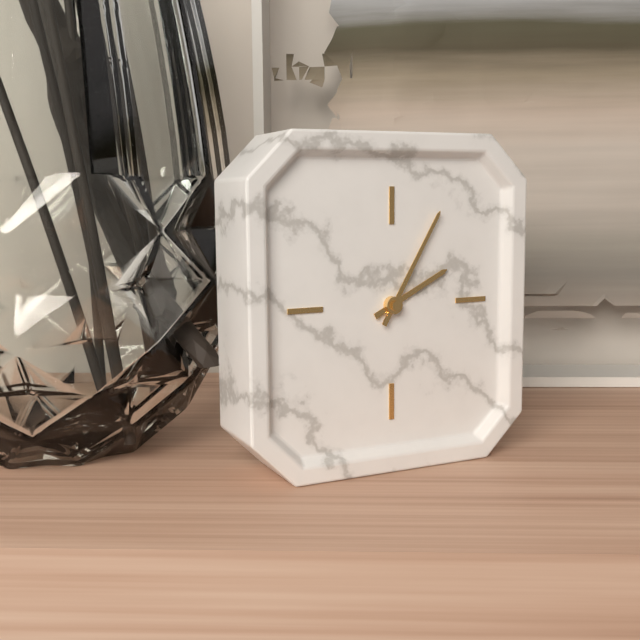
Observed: 2h05
